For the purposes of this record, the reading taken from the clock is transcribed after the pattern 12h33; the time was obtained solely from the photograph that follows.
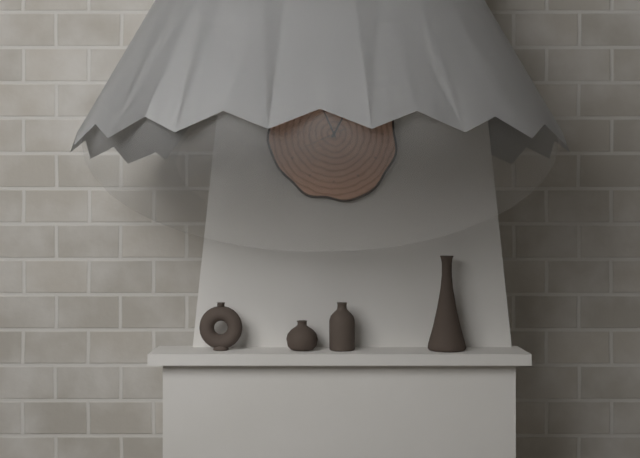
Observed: 12h56
